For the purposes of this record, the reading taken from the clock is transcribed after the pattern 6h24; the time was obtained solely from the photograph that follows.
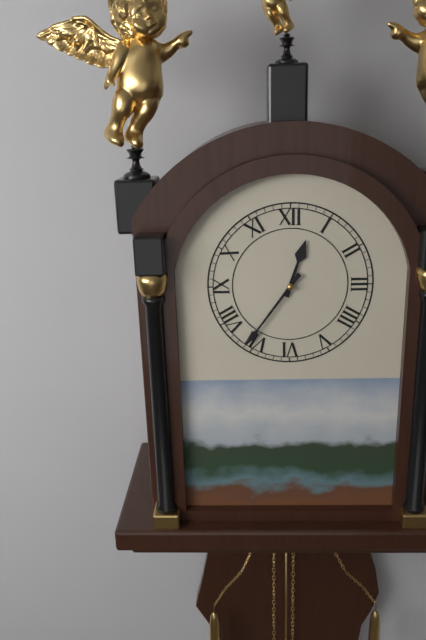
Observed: 12h36
